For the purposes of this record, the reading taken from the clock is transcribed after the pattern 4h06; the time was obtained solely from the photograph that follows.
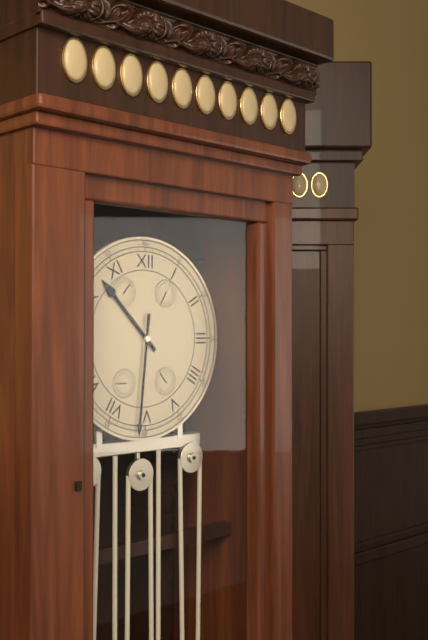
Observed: 10h31
